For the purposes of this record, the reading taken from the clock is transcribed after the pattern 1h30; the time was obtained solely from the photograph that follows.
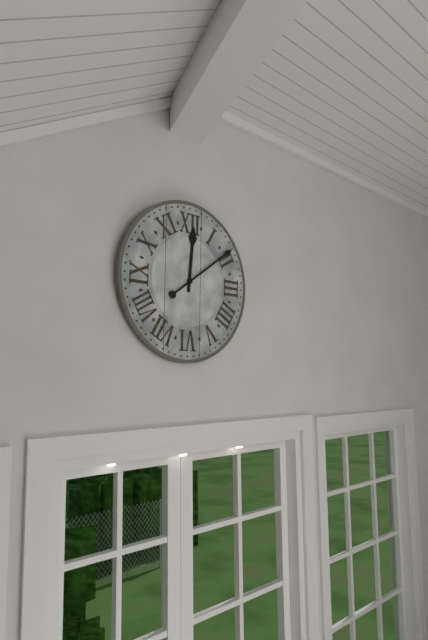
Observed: 12h09
